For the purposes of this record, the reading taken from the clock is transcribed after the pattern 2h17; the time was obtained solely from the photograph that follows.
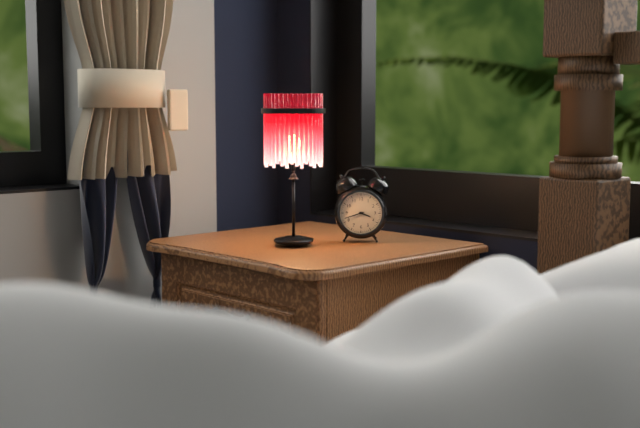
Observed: 3h42
